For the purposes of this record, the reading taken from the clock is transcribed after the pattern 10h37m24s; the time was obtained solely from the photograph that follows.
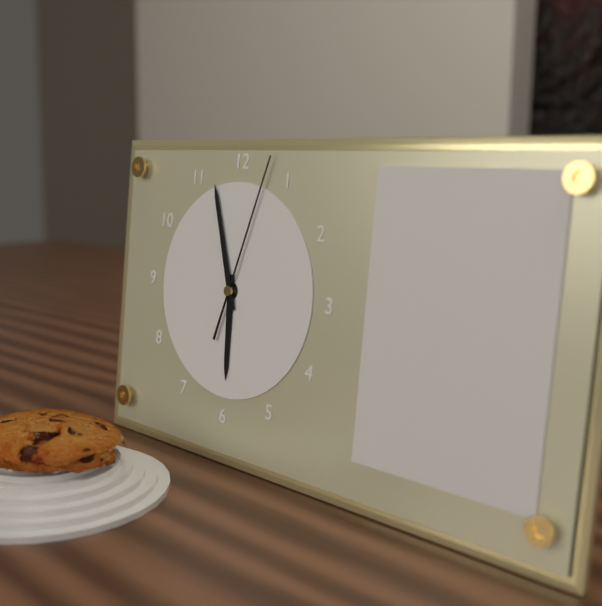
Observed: 5h57m03s
